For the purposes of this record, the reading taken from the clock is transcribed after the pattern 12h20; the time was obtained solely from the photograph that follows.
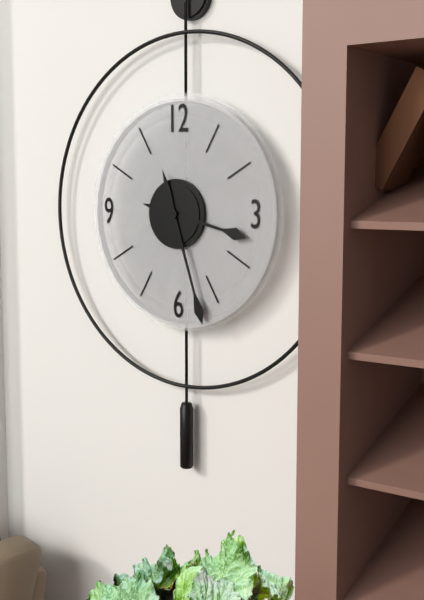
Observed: 3h27
